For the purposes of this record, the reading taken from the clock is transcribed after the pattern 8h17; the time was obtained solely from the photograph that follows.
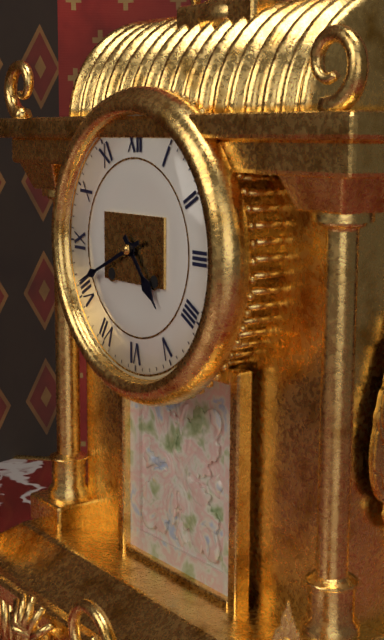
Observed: 4h41
